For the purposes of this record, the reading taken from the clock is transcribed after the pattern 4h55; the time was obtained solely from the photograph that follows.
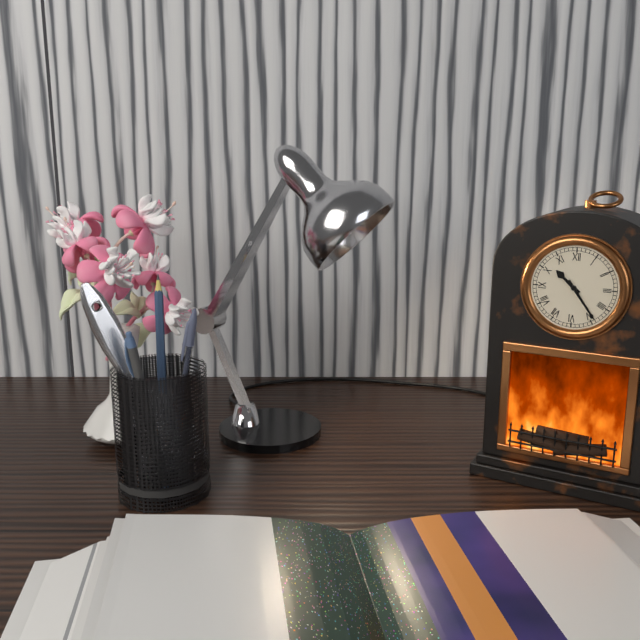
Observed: 10h24
